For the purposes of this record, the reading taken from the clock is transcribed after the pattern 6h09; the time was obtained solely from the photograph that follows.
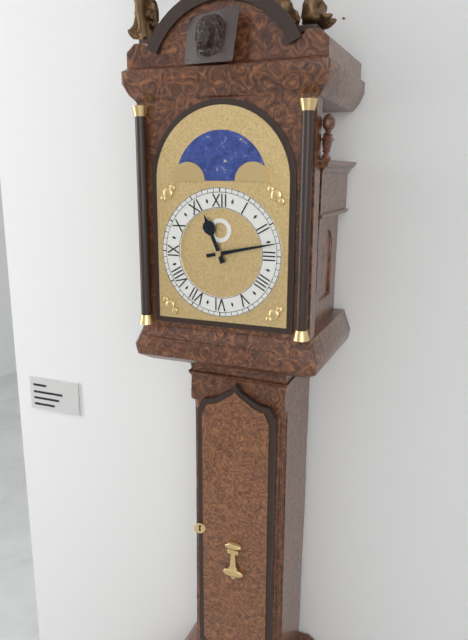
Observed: 11h13
